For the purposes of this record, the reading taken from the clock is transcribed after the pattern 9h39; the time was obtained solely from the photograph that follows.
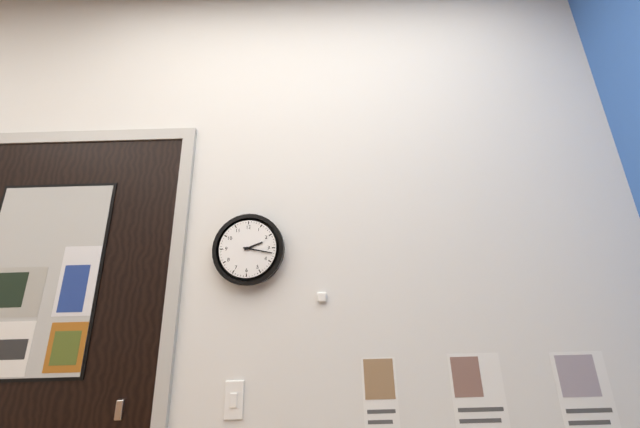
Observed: 2h17
